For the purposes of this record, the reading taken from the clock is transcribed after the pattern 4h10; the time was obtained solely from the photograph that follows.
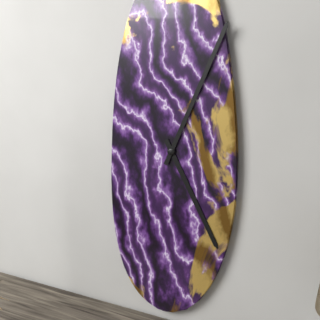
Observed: 5h04
